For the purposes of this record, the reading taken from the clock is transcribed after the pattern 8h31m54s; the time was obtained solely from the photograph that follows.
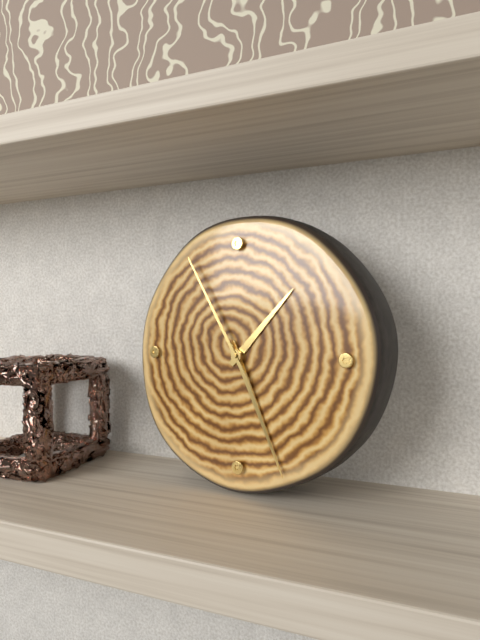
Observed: 1h26m55s
